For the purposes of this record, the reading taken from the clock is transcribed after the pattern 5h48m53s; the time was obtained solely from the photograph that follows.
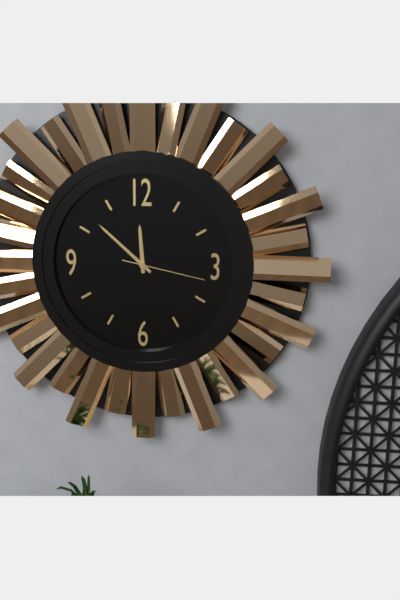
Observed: 11h52m17s
